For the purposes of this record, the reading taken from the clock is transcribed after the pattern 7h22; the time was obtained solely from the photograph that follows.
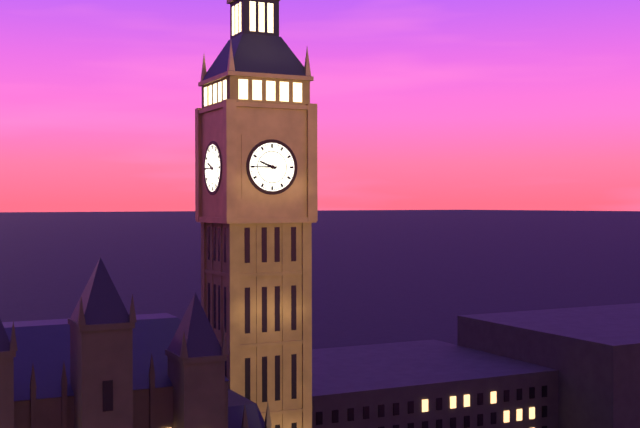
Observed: 9h45
